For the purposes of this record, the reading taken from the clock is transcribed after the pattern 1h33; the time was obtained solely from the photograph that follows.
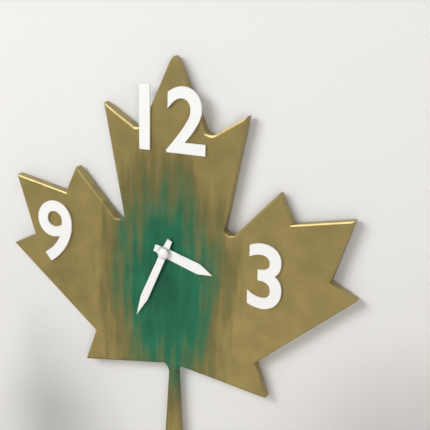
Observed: 3h34
